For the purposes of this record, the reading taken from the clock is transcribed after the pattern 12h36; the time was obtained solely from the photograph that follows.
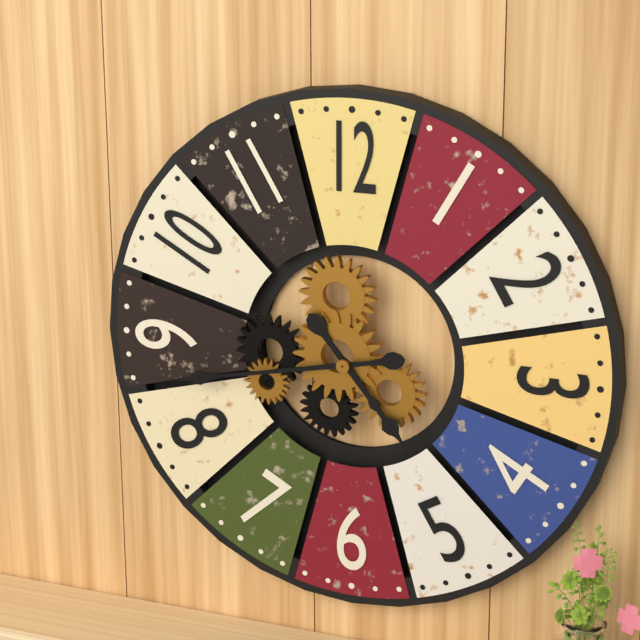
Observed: 4h43
